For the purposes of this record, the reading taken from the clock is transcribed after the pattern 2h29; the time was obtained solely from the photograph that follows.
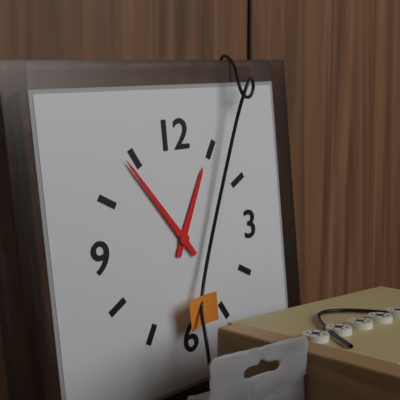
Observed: 12h54
